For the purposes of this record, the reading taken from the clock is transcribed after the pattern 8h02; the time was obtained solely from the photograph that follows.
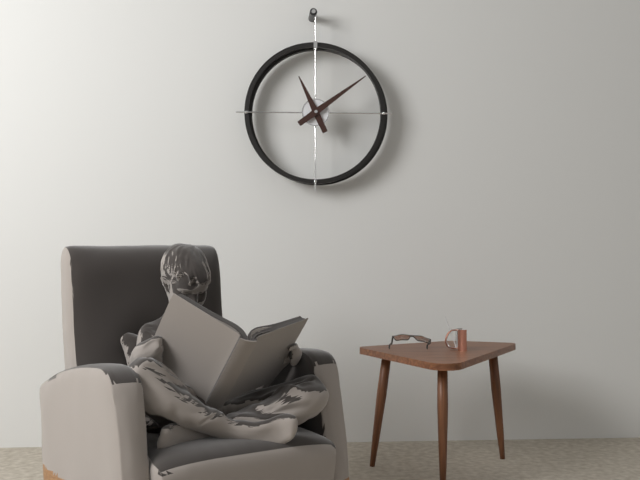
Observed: 11h09
